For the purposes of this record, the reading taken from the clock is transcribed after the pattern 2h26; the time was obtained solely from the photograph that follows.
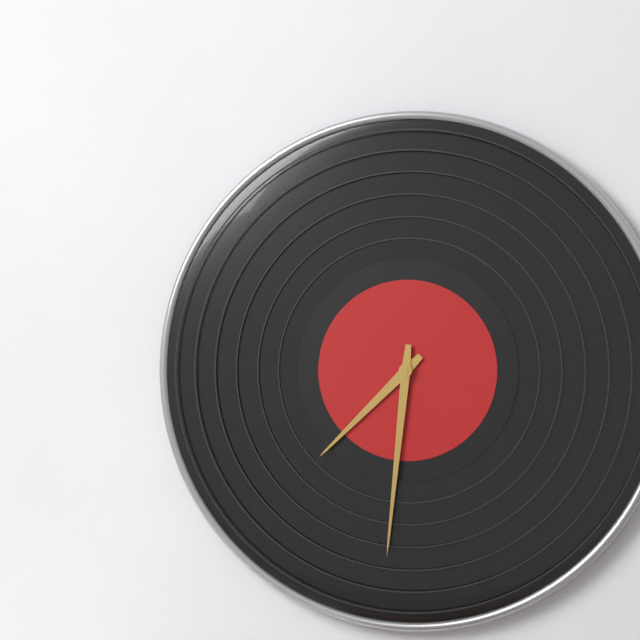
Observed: 7h31
